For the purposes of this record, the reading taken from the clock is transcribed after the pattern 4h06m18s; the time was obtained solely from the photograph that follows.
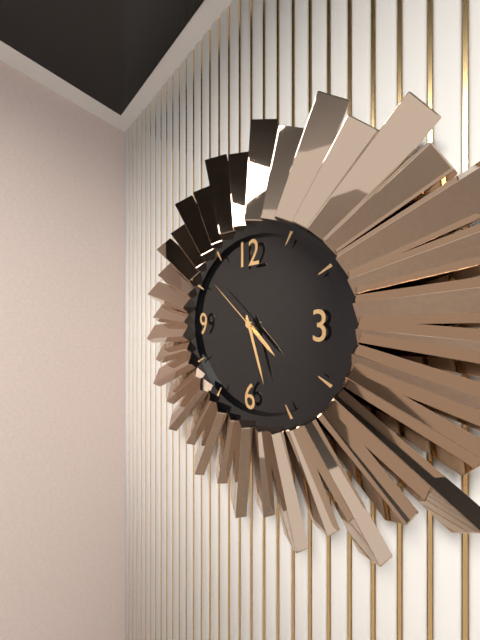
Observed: 4h27m52s
